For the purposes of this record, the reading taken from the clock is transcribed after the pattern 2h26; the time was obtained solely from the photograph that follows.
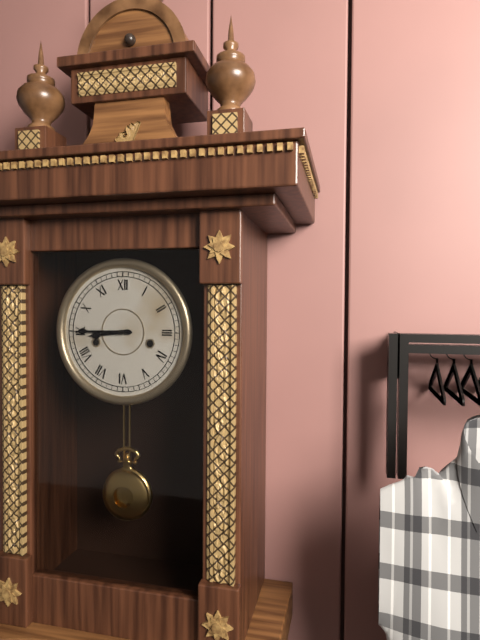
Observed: 8h45
